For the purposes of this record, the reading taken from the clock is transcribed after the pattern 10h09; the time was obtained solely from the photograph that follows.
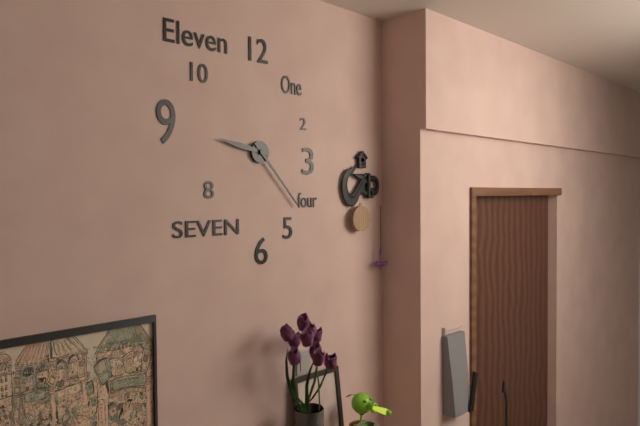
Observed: 9h23
